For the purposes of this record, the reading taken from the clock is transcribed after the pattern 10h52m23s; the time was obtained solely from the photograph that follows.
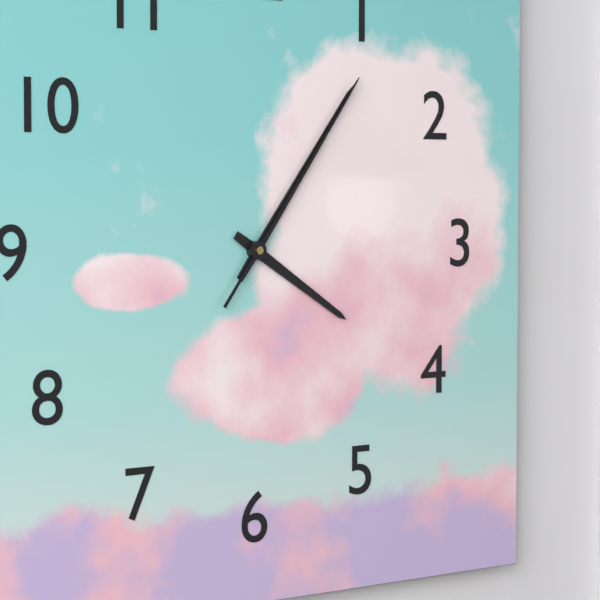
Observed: 4h06m06s
